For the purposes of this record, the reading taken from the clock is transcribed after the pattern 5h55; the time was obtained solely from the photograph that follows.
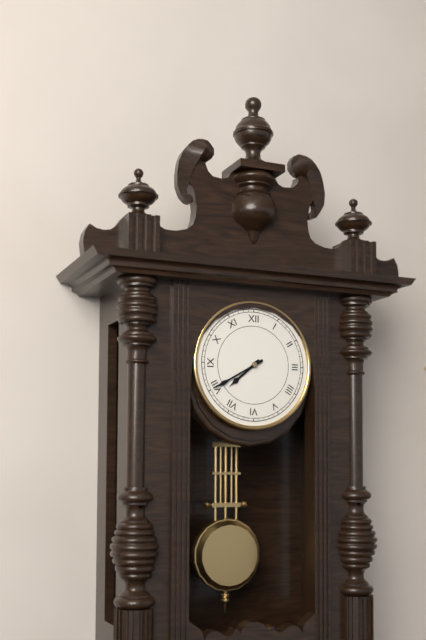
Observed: 7h40
